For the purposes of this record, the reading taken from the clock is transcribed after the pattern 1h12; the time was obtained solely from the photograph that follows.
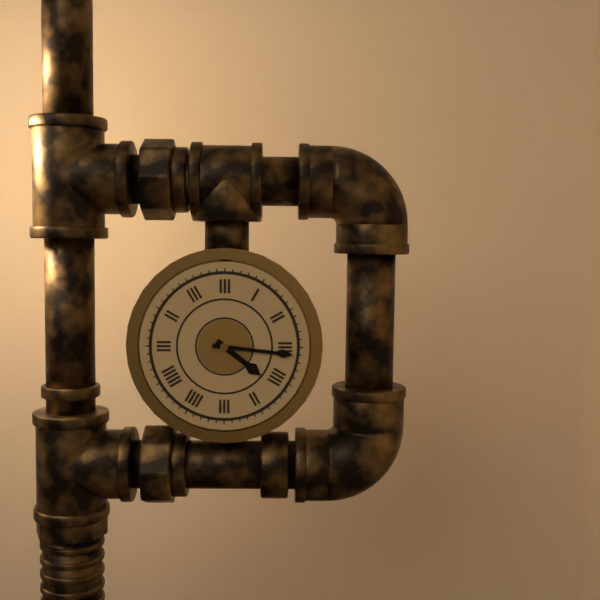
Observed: 4h16
